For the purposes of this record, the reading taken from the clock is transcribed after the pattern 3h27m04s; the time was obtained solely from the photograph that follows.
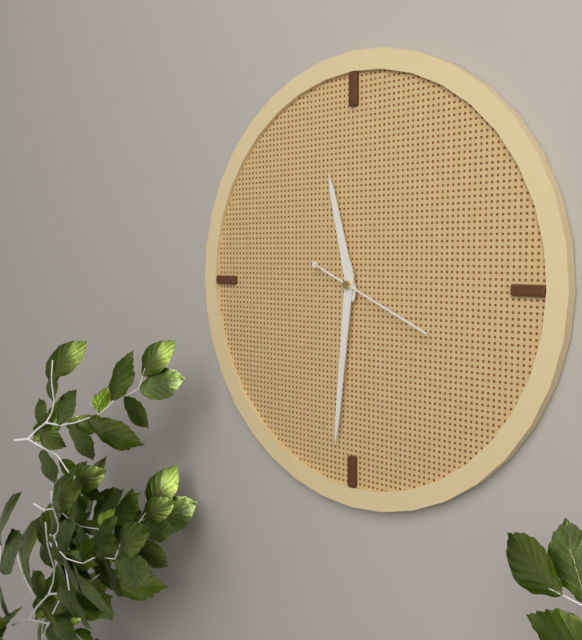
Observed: 11h31m19s
